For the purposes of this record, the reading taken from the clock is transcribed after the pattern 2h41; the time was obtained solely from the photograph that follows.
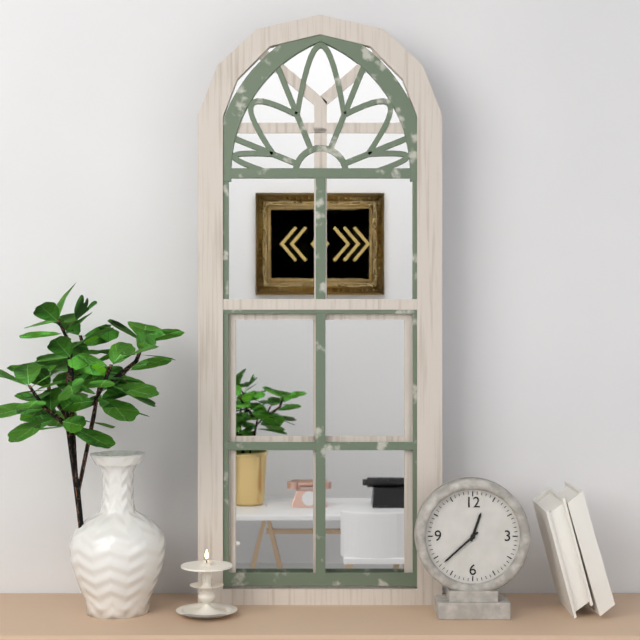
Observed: 12h38
